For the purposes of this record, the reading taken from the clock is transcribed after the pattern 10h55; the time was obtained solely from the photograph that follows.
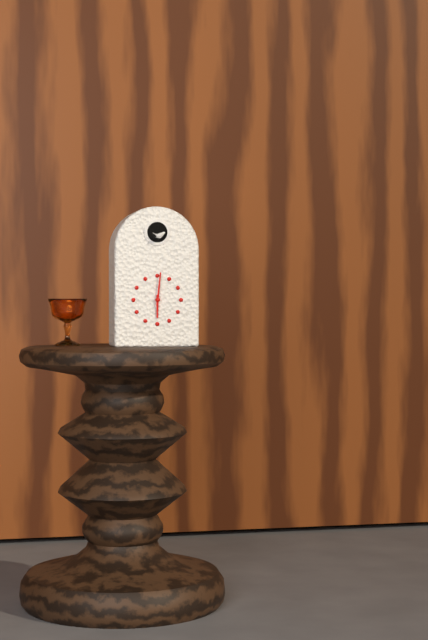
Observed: 6h01
